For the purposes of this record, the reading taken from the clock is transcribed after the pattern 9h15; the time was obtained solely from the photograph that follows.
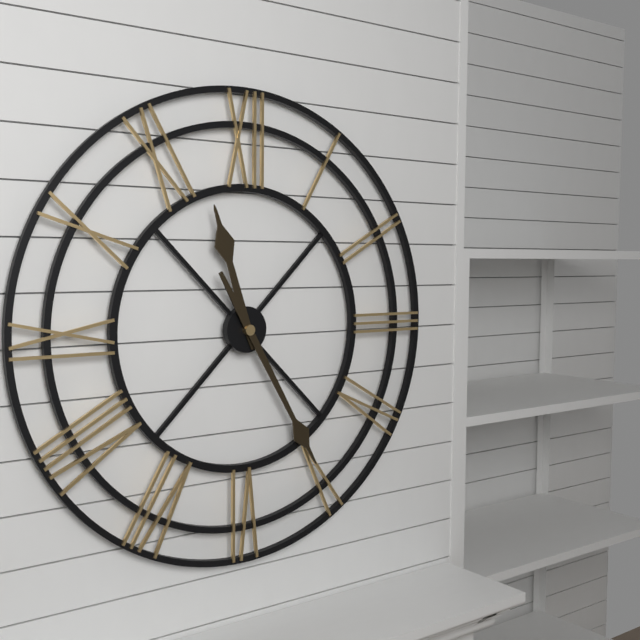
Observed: 11h25
